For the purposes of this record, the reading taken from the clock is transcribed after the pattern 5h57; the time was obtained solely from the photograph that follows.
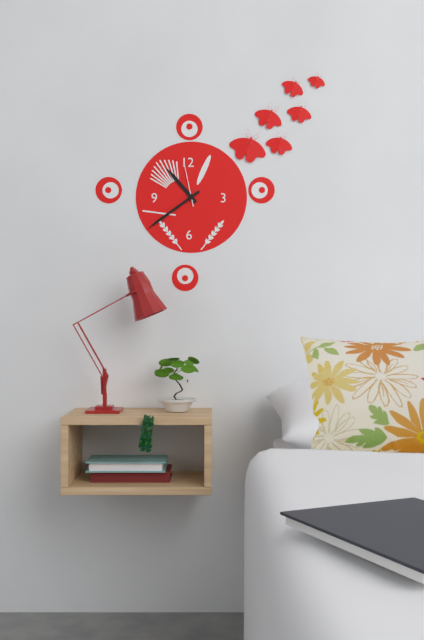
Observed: 10h39
